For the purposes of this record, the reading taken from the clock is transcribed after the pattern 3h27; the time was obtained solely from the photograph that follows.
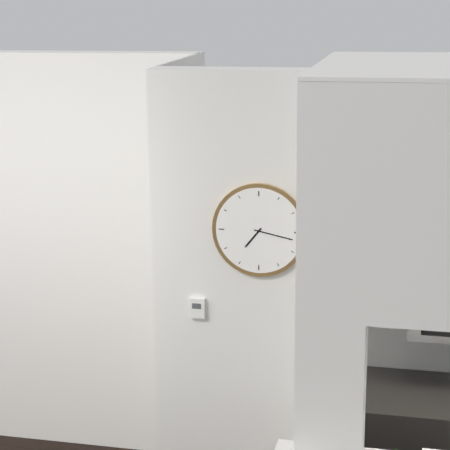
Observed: 7h17
